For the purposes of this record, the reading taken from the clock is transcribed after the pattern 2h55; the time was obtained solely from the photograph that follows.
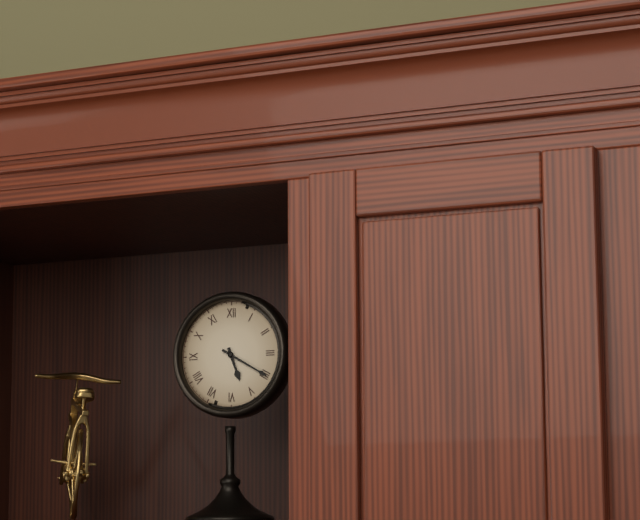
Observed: 5h20
